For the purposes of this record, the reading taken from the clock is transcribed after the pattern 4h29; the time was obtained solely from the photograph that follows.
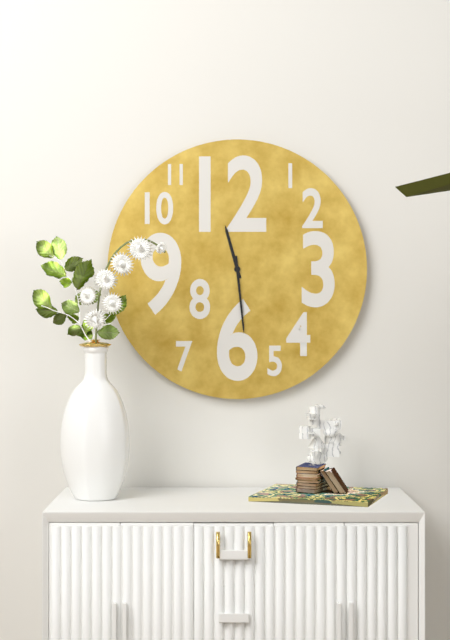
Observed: 11h29
